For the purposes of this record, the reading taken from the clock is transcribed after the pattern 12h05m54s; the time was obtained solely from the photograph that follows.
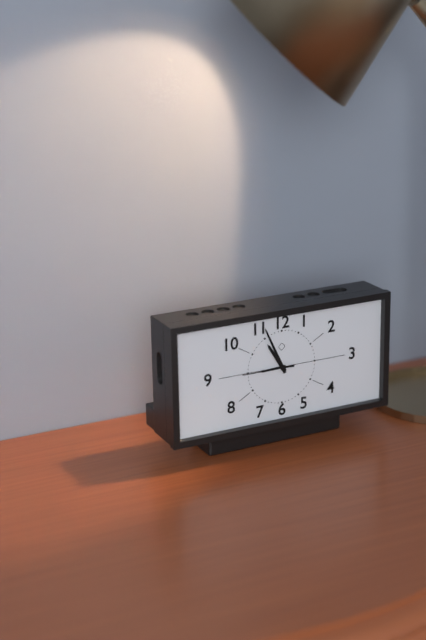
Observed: 10h56m45s
